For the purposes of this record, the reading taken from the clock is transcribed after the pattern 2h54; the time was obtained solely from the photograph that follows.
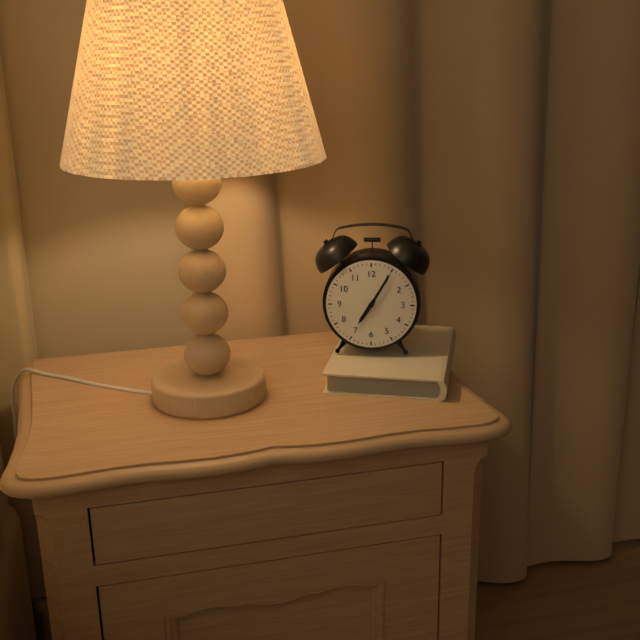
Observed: 7h05
